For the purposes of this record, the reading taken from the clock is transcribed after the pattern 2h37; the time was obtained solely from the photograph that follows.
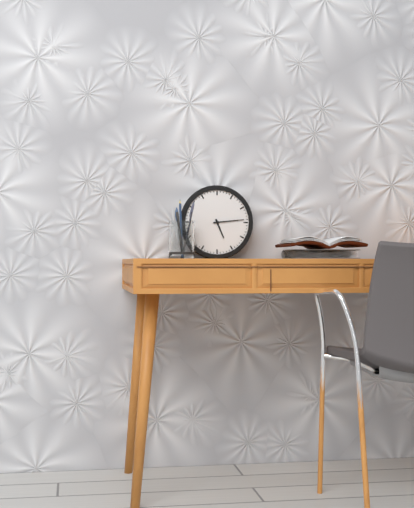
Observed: 5h14
